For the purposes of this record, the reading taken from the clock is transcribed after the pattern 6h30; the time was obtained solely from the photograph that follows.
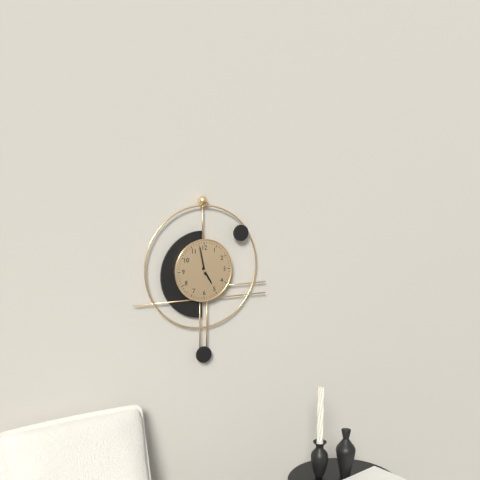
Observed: 4h58
